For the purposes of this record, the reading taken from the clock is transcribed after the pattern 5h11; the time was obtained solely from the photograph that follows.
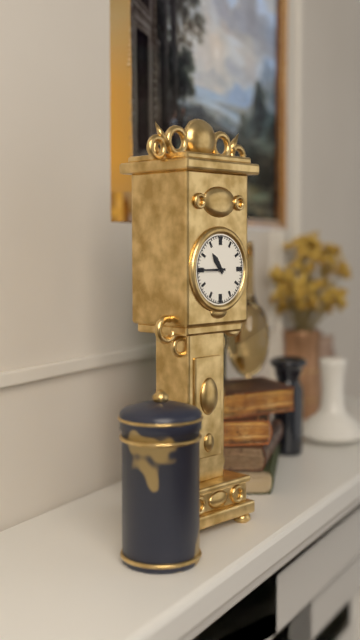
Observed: 10h45
